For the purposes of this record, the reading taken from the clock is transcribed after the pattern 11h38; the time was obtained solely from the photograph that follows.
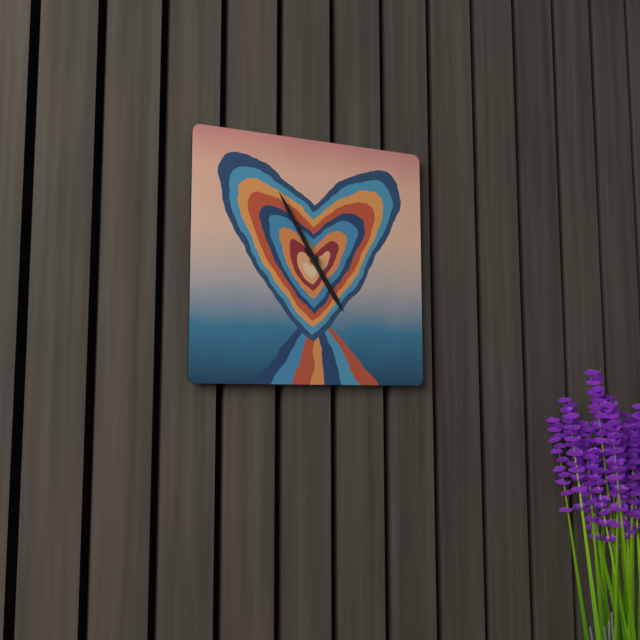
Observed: 4h55
